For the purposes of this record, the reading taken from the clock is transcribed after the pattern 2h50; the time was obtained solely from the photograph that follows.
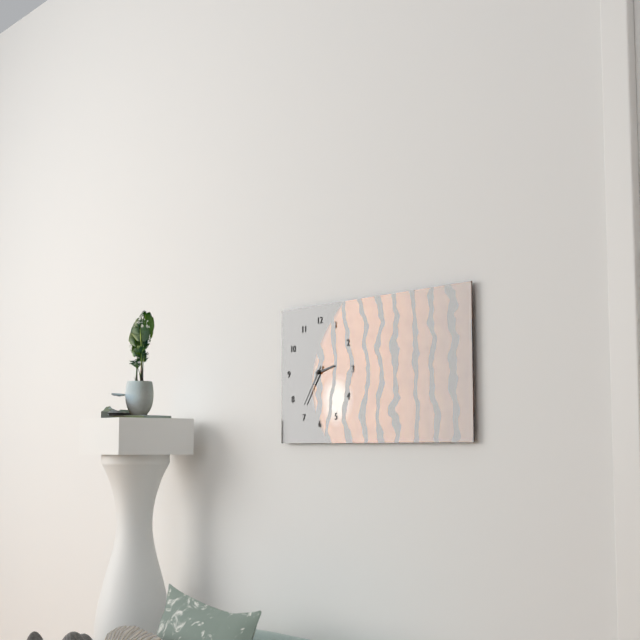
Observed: 2h36
